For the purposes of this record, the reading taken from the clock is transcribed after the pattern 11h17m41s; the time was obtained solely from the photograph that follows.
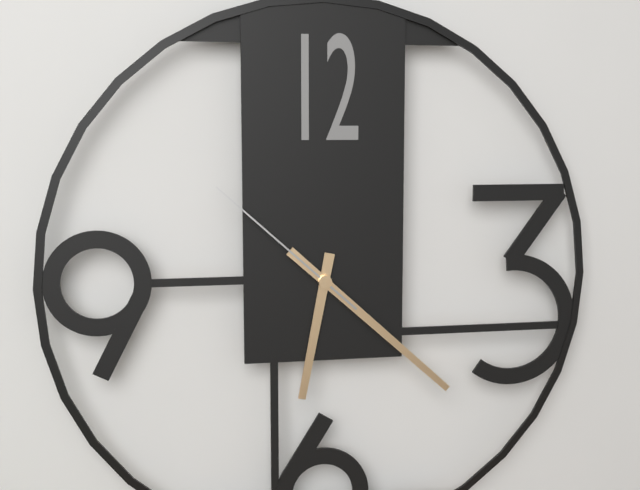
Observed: 6h22m52s
